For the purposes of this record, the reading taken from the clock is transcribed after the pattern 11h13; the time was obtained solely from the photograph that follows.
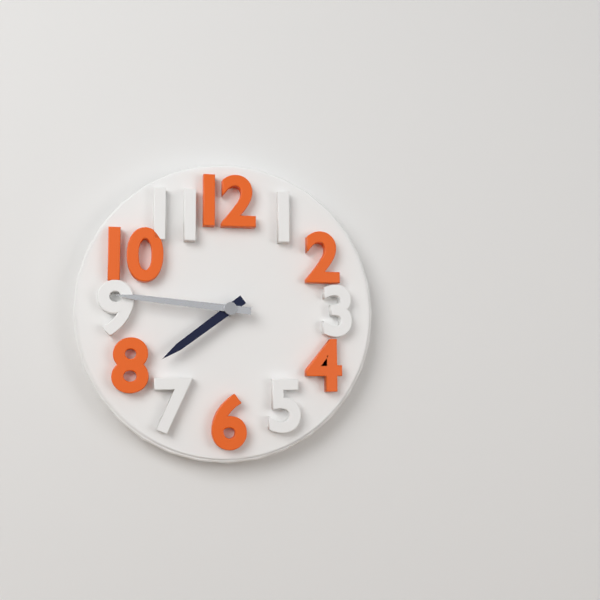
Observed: 7h46
